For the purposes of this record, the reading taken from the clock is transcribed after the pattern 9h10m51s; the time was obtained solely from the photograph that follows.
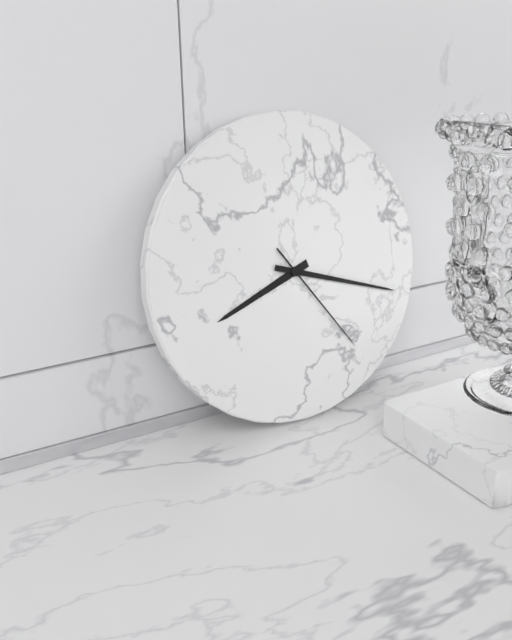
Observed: 8h18m24s
